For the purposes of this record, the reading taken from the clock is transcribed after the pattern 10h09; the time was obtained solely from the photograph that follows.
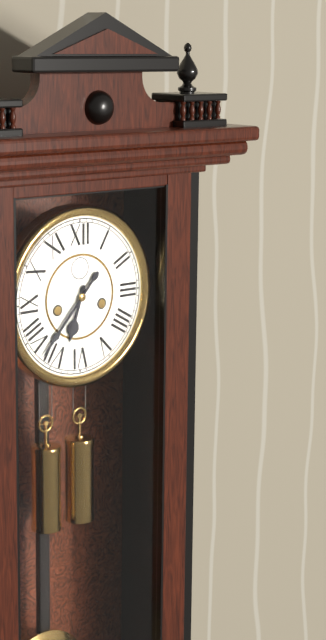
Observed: 6h37
